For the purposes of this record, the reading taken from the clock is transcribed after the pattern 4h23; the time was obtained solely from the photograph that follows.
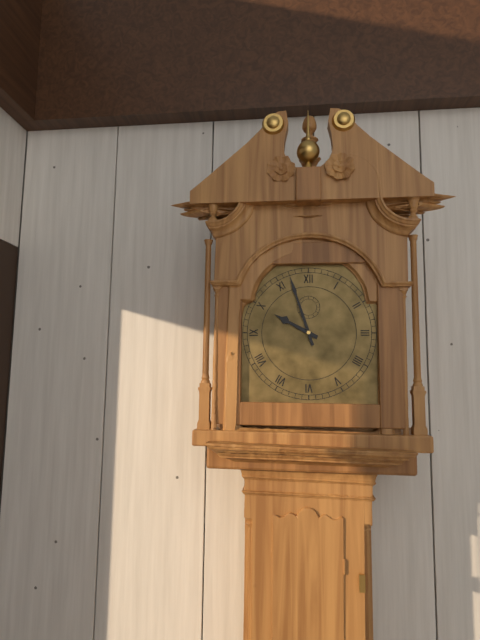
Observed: 9h57
